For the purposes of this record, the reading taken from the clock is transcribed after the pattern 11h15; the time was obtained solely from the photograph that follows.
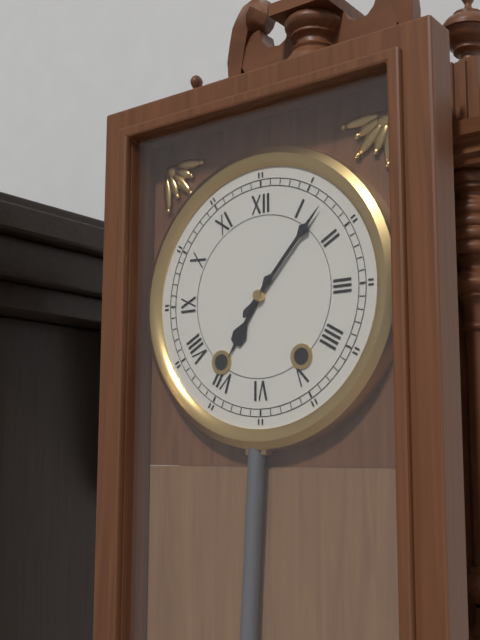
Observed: 7h07
